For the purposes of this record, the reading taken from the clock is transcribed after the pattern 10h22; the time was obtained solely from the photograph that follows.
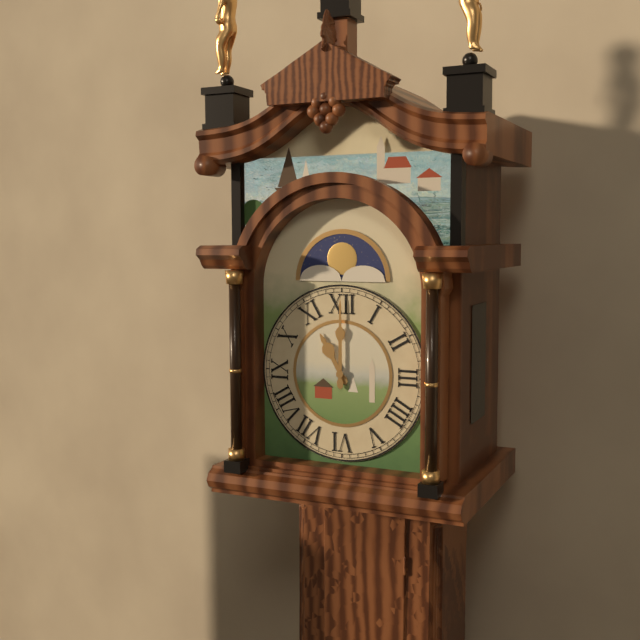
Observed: 11h00
